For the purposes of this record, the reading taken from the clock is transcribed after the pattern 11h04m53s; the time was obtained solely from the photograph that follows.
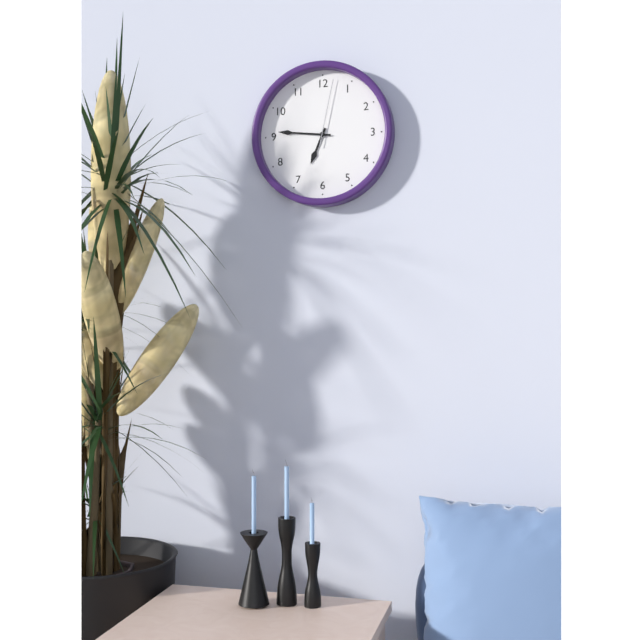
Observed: 6h46m02s
